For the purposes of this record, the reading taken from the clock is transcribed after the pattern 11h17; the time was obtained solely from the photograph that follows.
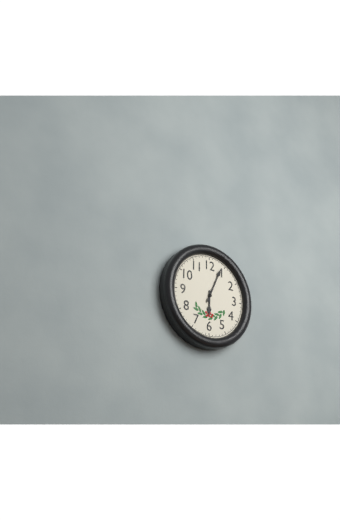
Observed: 6h04
